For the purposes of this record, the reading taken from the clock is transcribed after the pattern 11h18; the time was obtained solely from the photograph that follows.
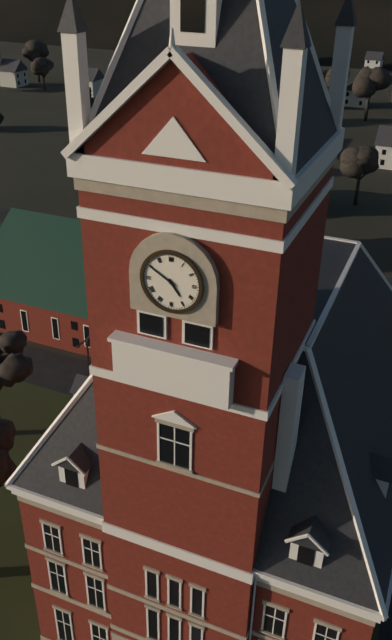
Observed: 4h50
